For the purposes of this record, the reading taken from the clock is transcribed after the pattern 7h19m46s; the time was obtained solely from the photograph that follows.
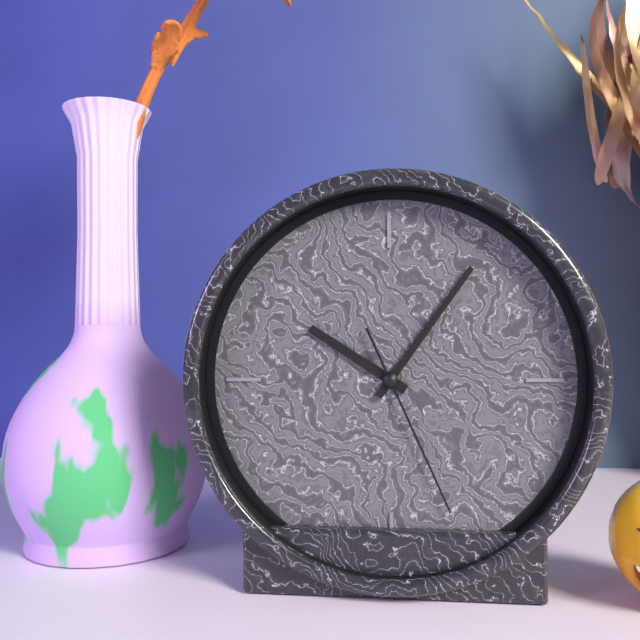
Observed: 10h06m26s
